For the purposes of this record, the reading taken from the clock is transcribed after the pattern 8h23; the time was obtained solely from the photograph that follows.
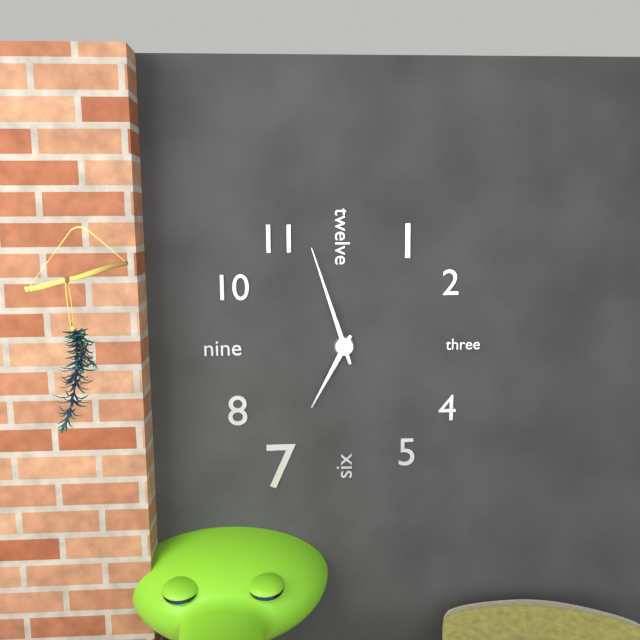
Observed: 6h57
